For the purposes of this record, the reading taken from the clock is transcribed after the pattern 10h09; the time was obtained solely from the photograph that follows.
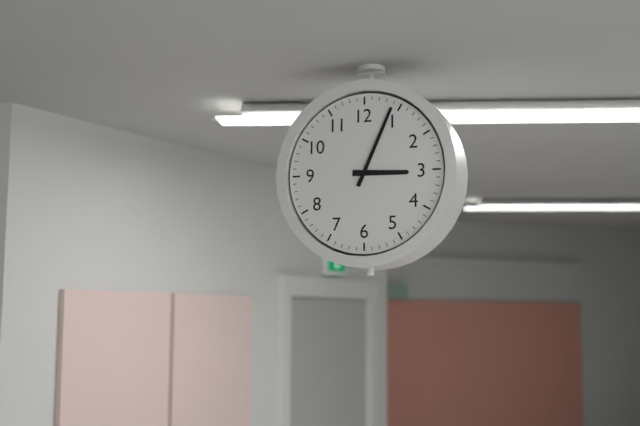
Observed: 3h04
